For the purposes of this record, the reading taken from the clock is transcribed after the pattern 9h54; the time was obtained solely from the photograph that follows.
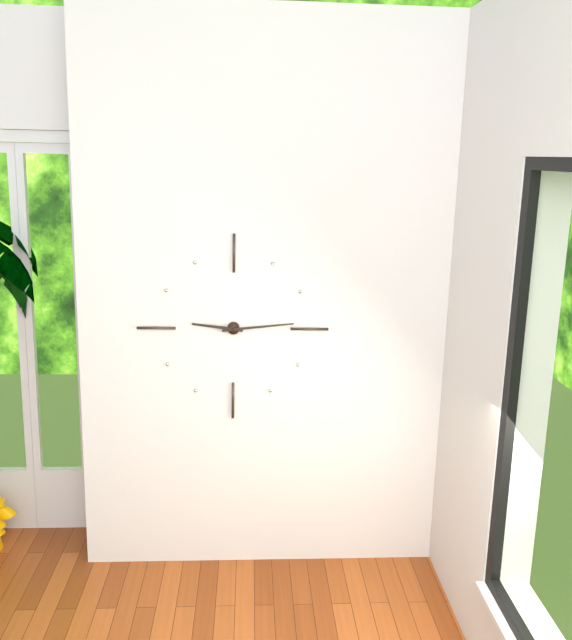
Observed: 9h14
